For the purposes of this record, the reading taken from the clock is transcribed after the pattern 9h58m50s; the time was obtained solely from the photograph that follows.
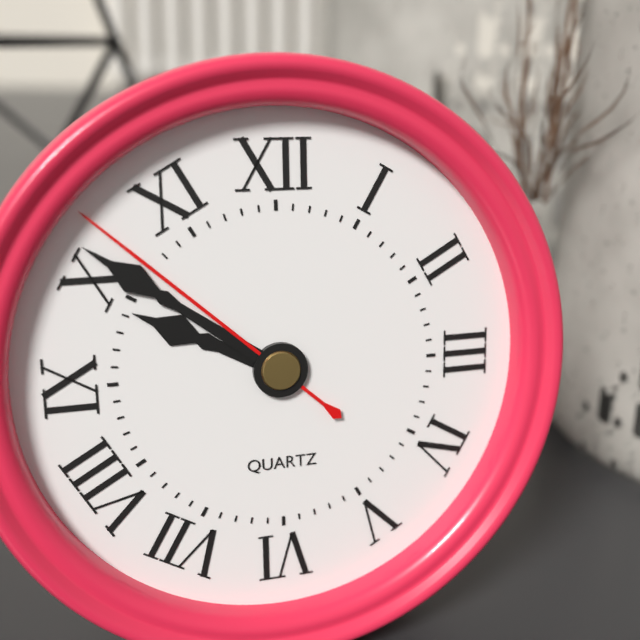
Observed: 9h51m52s
